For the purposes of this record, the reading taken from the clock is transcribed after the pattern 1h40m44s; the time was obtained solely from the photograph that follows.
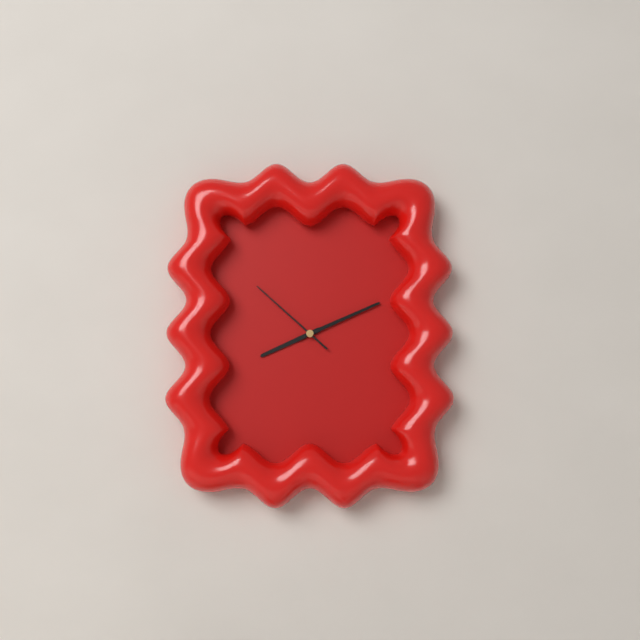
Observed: 8h11m52s
